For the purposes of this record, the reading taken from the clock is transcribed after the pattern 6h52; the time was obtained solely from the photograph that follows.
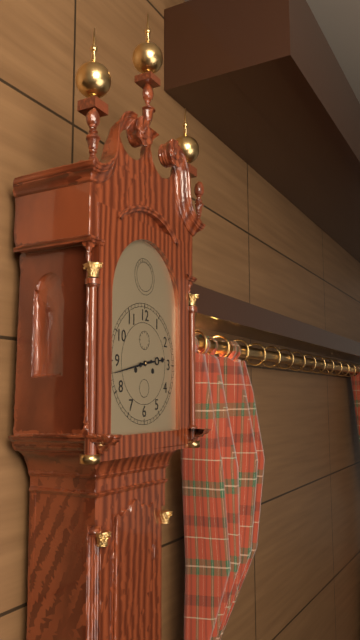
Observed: 2h43
